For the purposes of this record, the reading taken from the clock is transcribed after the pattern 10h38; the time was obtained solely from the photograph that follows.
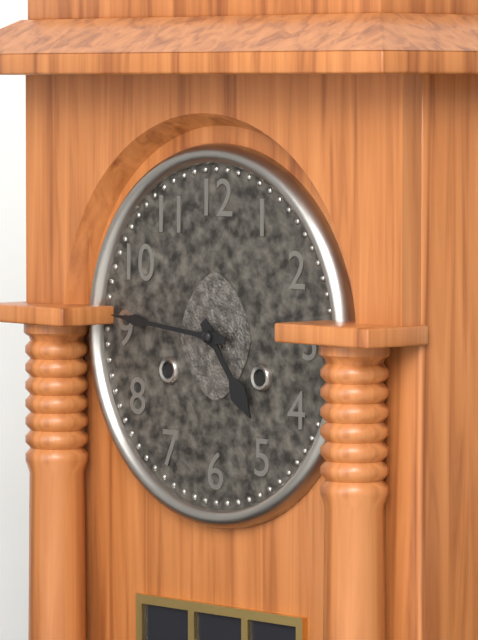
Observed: 4h46
